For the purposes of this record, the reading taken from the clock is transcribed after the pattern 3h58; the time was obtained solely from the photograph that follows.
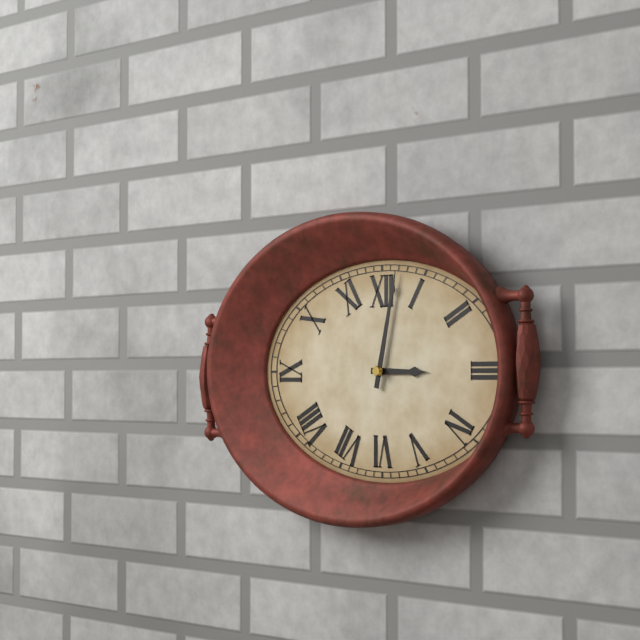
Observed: 3h02
